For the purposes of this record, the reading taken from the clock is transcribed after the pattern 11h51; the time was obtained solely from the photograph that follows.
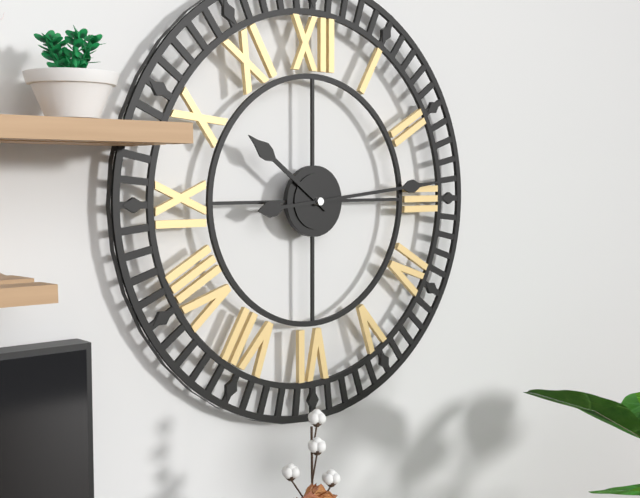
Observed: 10h14
